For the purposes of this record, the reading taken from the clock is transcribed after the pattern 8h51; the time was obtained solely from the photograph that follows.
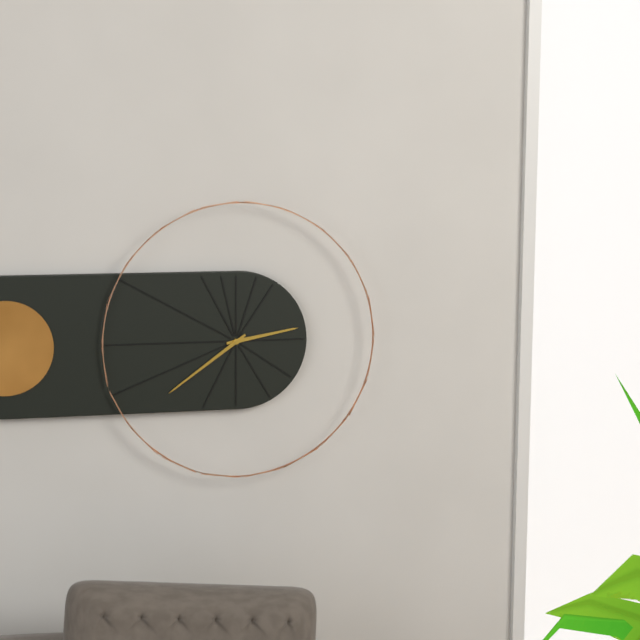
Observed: 2h39
